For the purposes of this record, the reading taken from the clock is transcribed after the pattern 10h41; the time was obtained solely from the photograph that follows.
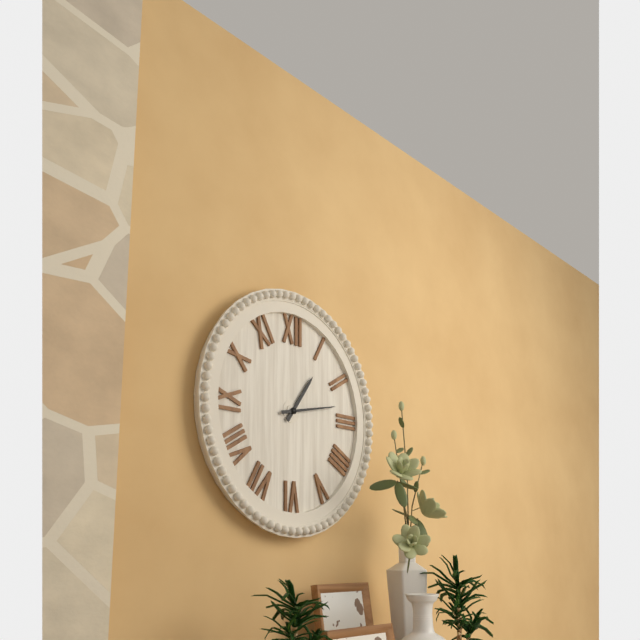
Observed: 1h13
